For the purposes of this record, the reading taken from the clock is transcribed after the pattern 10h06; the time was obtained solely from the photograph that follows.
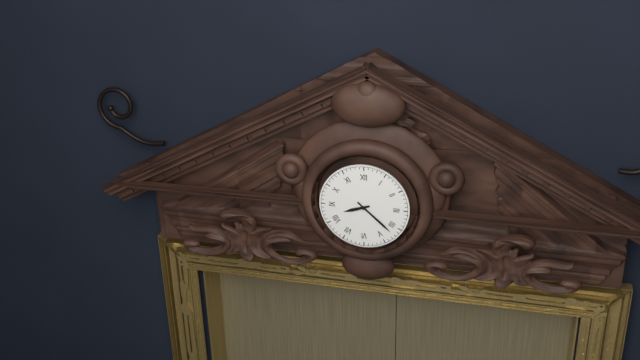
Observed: 8h22
